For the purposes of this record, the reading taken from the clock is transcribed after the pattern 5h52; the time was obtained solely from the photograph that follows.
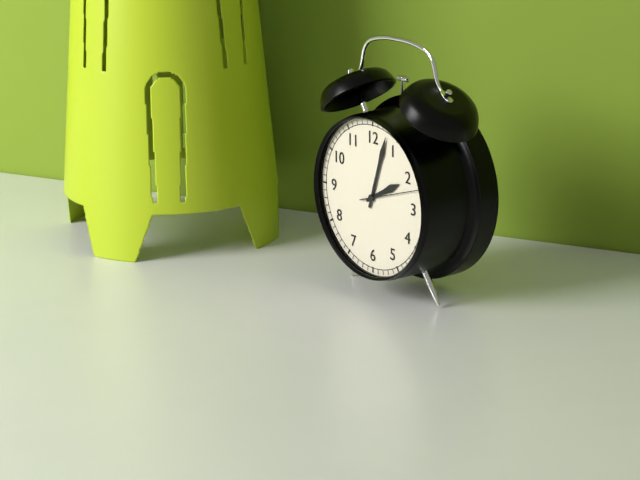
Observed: 2h03
